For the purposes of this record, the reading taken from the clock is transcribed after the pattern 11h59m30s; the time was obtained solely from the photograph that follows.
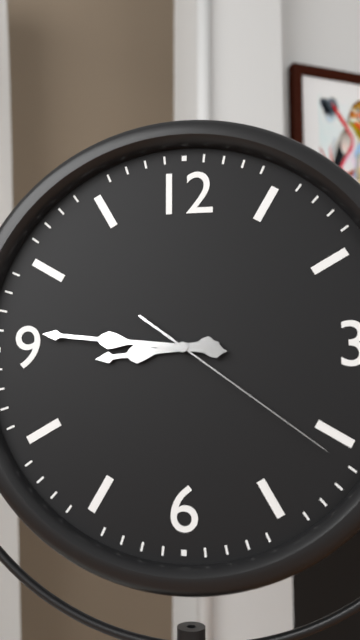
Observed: 8h46m21s
